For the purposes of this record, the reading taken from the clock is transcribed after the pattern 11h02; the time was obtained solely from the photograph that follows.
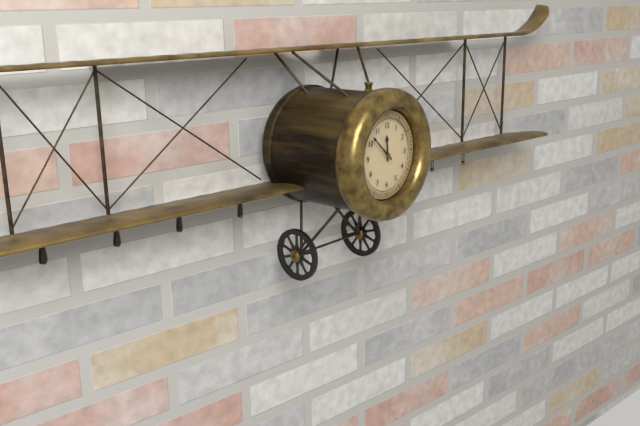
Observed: 11h52
